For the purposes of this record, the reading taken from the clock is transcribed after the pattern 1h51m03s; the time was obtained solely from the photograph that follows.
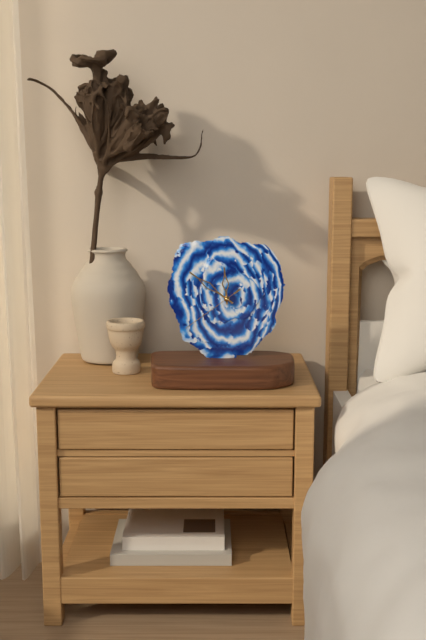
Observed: 11h51m39s
